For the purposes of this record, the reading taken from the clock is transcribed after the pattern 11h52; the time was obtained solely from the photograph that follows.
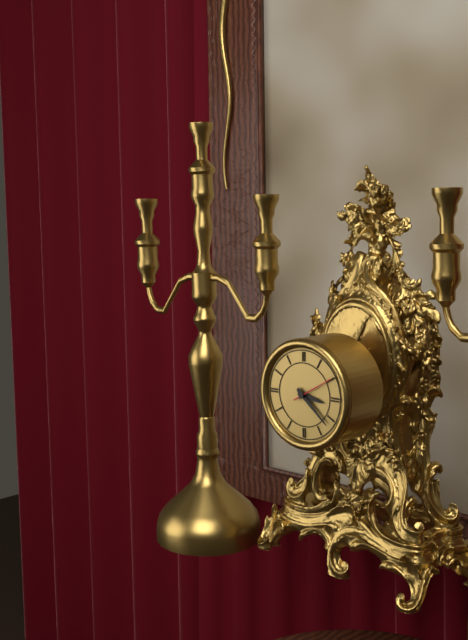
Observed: 3h22
